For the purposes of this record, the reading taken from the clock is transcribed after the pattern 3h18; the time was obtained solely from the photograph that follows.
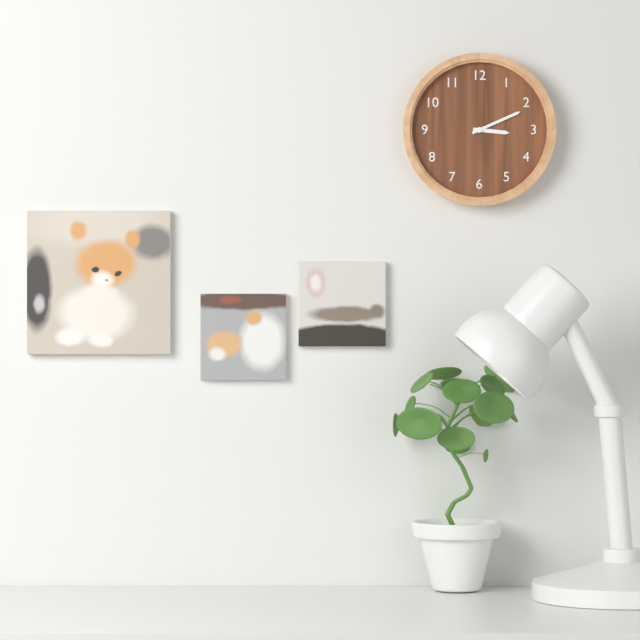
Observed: 3h11
